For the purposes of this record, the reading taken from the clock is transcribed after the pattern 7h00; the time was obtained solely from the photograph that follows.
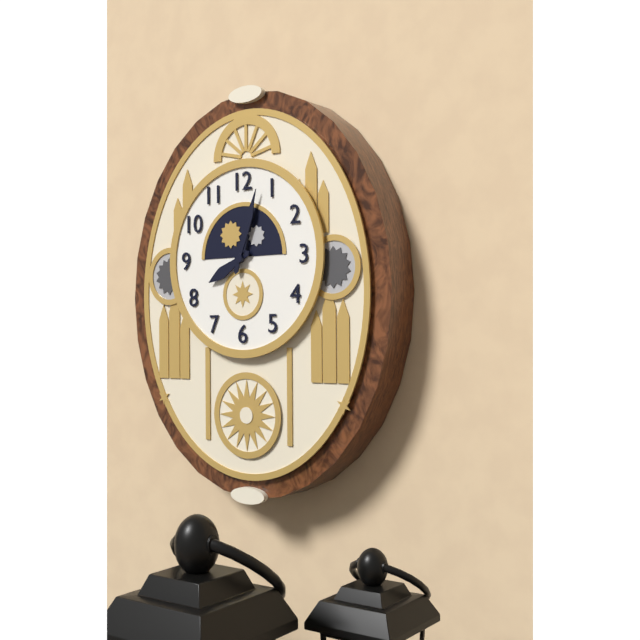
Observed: 8h03
